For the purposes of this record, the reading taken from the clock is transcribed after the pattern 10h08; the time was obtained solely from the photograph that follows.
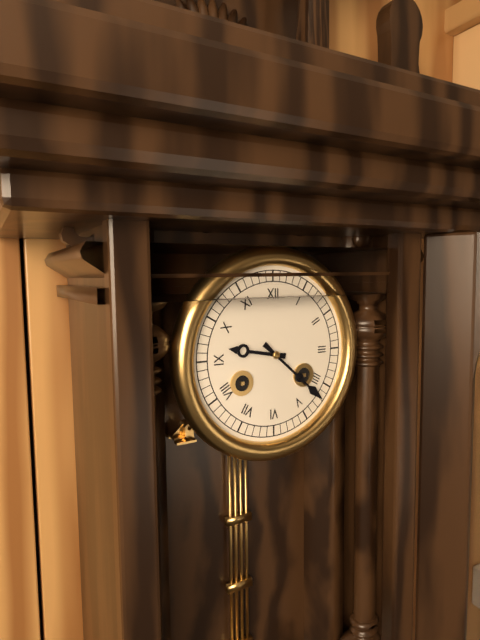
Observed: 9h22
